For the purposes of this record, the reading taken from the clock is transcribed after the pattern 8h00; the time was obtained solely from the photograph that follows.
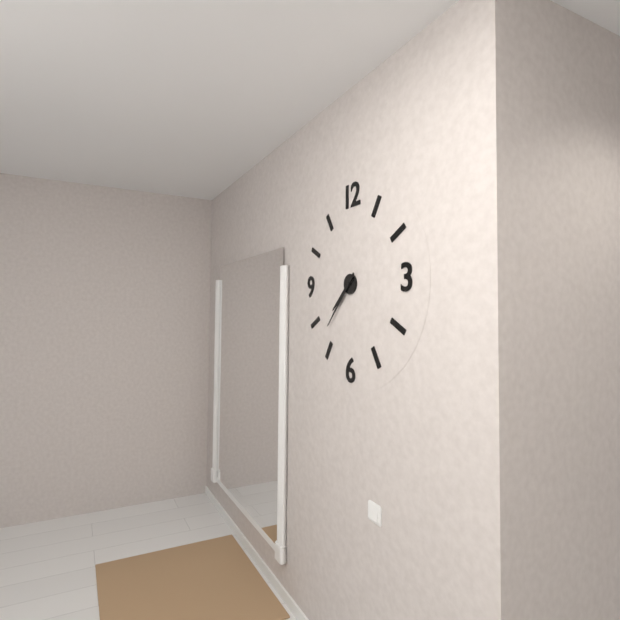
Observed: 7h37
